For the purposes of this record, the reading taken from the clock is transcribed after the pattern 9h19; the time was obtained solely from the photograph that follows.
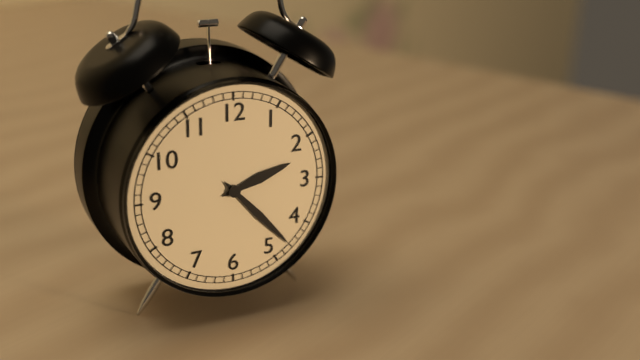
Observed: 2h23
